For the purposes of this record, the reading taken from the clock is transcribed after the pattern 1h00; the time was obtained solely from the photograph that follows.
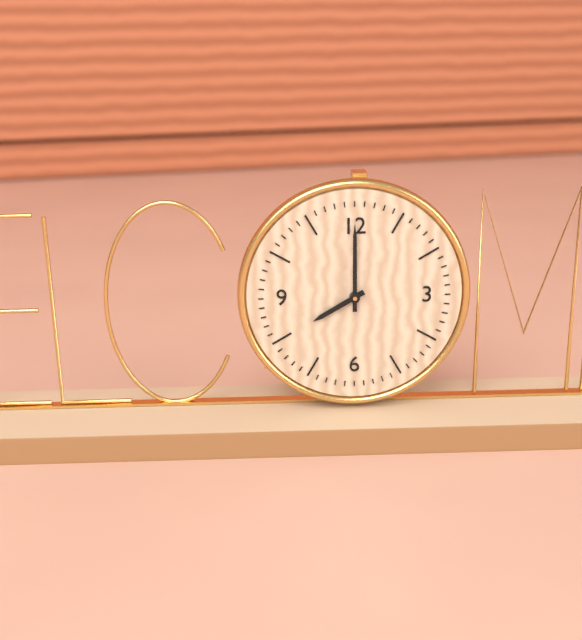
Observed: 8h00
